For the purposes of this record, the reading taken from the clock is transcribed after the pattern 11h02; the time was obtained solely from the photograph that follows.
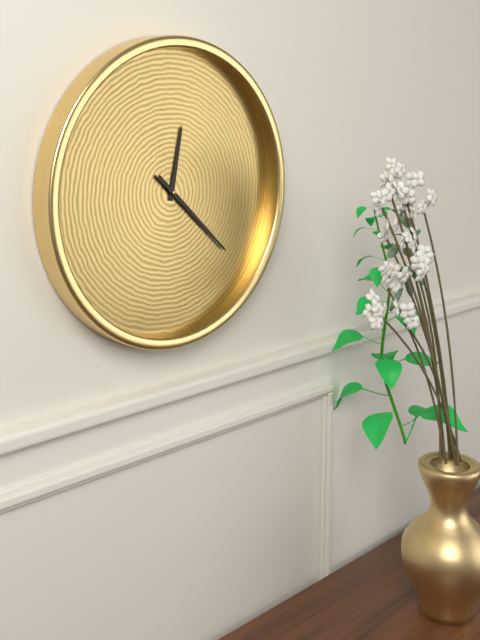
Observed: 12h22
